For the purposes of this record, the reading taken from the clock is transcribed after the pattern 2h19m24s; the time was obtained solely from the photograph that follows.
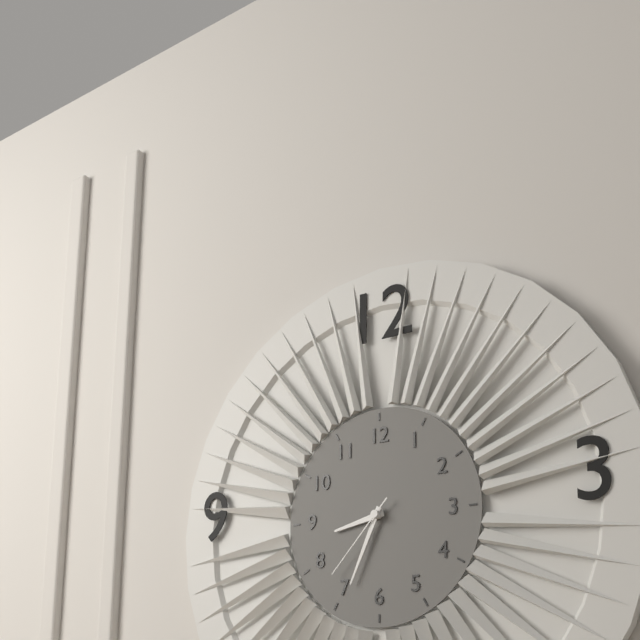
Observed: 8h34m37s
